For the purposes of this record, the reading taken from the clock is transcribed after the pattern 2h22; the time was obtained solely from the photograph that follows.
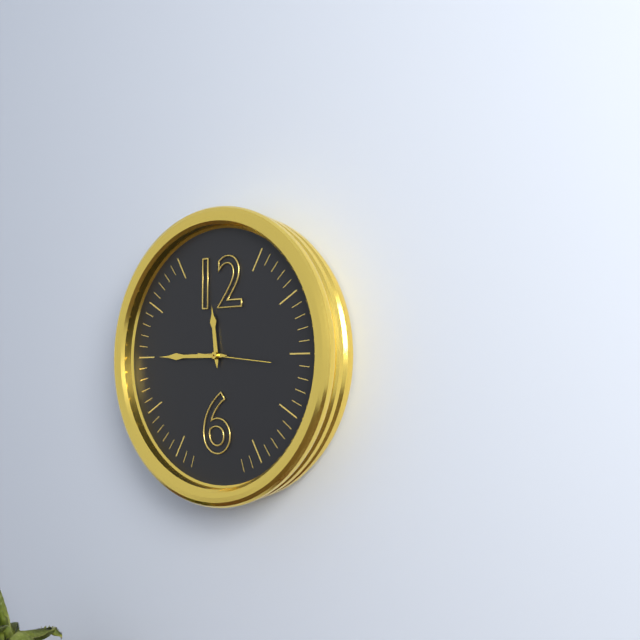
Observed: 11h45
